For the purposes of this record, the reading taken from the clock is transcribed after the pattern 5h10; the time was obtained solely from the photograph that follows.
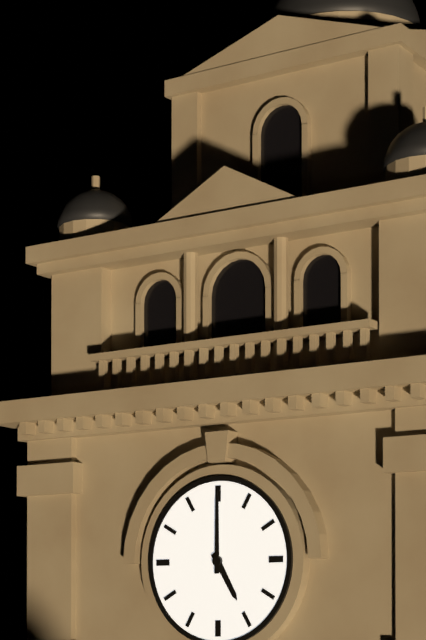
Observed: 5h00
